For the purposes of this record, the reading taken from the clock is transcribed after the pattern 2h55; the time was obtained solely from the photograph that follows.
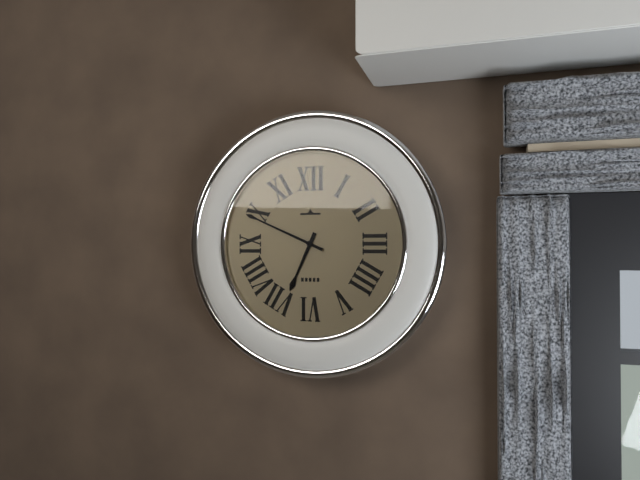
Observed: 6h49
